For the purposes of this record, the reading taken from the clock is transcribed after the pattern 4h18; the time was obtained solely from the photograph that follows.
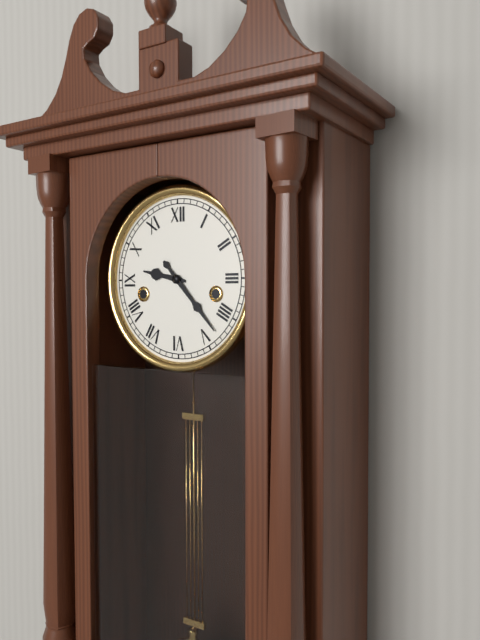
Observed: 9h23
